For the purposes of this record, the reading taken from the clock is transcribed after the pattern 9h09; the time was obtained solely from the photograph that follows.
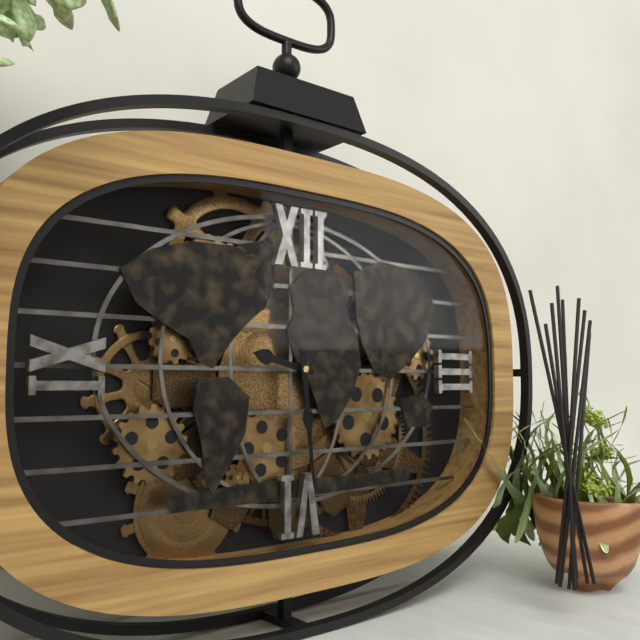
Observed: 9h29
